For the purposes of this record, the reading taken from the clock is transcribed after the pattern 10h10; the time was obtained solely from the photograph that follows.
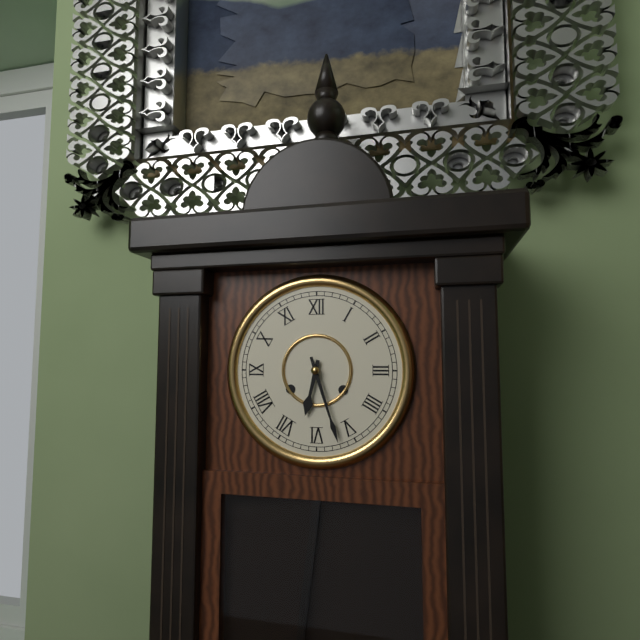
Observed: 6h27
